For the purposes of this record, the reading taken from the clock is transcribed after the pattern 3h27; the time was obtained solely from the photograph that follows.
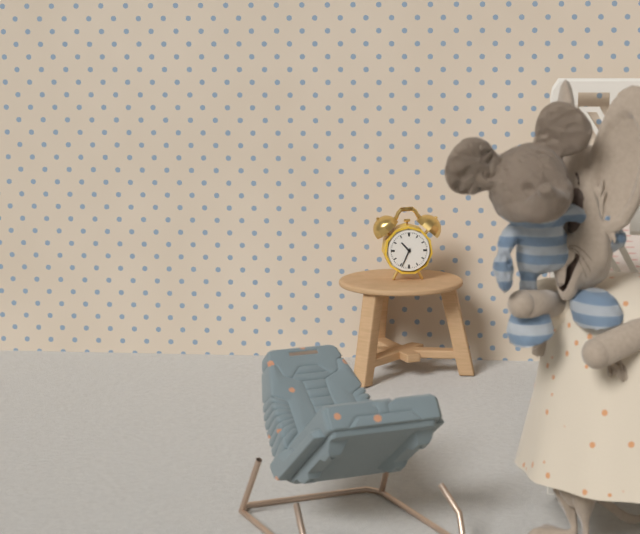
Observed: 10h34
